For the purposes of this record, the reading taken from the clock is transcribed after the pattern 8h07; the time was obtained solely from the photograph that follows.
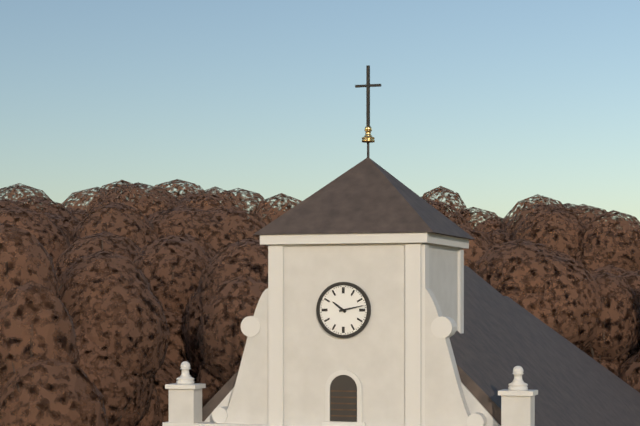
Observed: 10h13
